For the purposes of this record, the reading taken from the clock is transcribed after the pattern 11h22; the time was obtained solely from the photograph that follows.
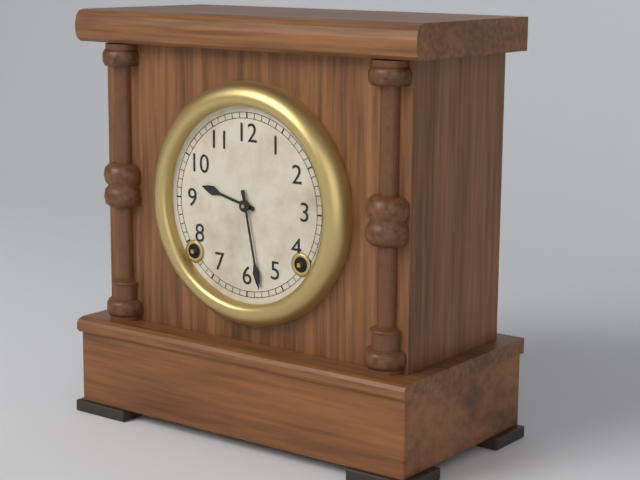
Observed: 9h28
